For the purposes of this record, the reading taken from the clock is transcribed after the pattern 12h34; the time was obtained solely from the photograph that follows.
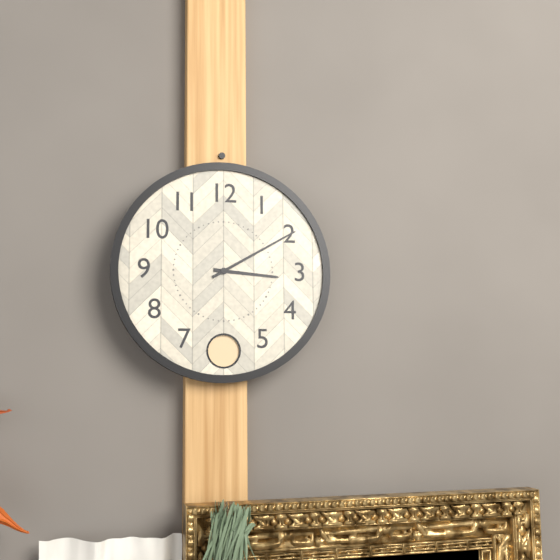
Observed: 3h10
